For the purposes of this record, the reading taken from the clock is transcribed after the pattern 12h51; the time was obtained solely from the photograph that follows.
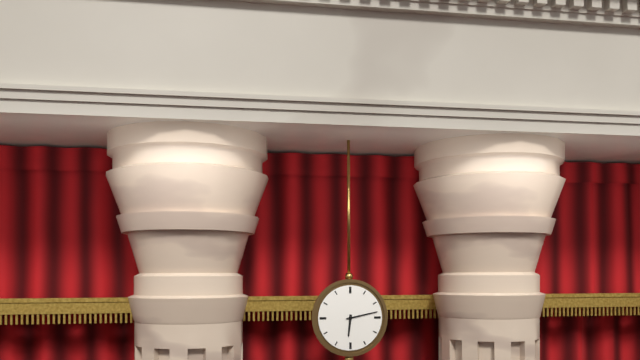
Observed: 6h13
